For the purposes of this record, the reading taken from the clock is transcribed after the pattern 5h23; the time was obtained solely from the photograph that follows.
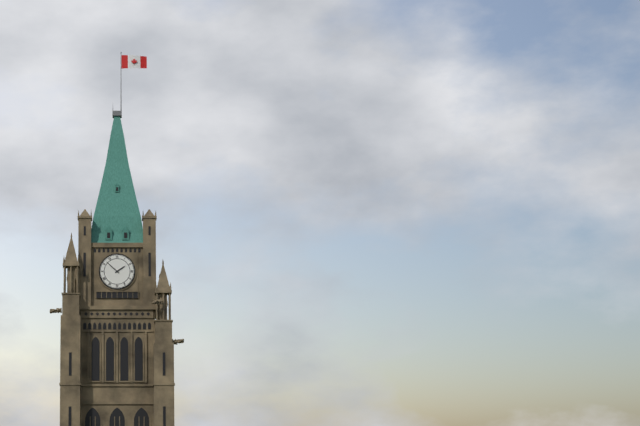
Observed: 1h52
